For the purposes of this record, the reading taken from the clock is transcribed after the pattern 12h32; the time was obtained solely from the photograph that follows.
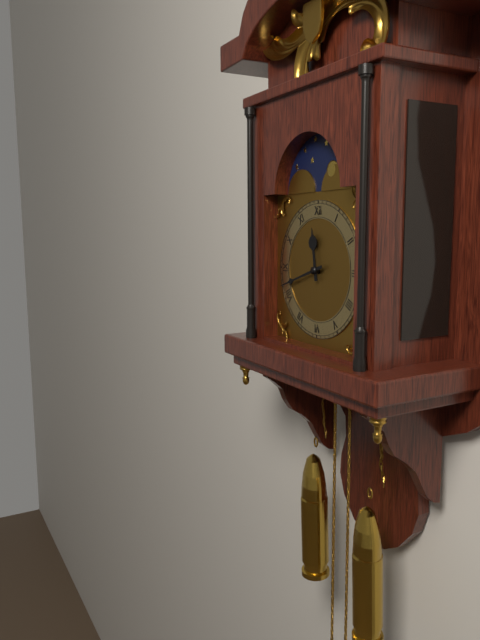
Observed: 11h42
